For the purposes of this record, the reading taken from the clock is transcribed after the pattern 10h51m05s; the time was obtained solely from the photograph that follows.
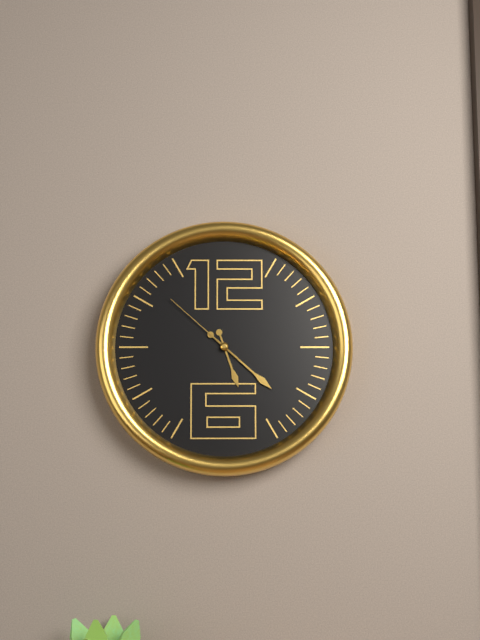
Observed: 5h22m52s
